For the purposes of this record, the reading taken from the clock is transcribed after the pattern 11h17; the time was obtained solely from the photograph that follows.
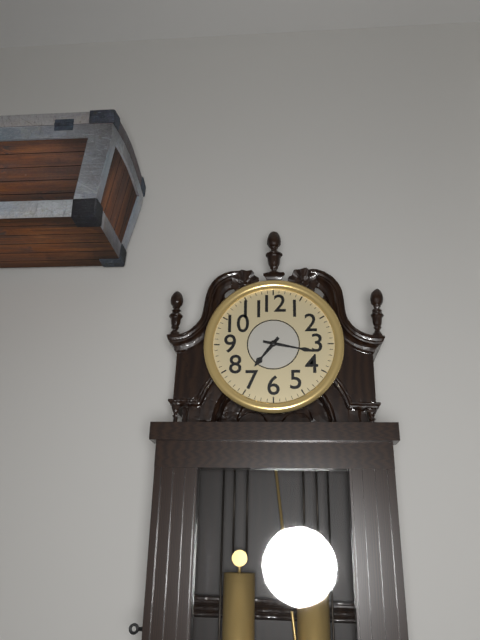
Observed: 7h17
